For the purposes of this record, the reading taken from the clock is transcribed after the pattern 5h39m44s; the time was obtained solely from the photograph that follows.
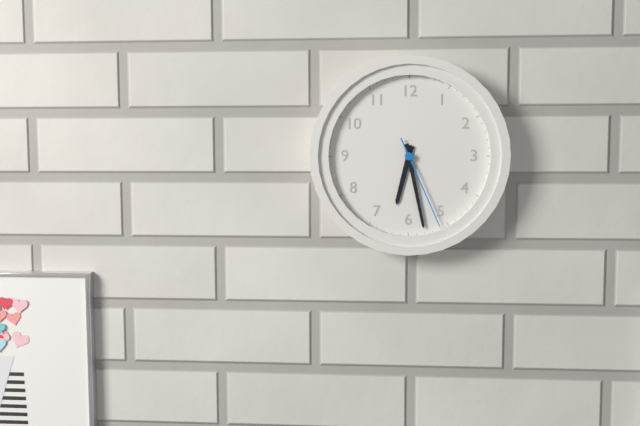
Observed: 6h28m26s
